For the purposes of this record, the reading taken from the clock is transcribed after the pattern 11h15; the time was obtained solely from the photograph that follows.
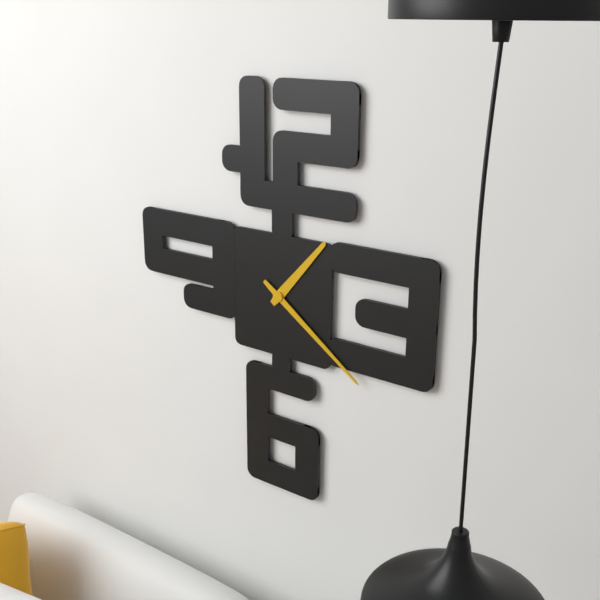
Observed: 1h21
